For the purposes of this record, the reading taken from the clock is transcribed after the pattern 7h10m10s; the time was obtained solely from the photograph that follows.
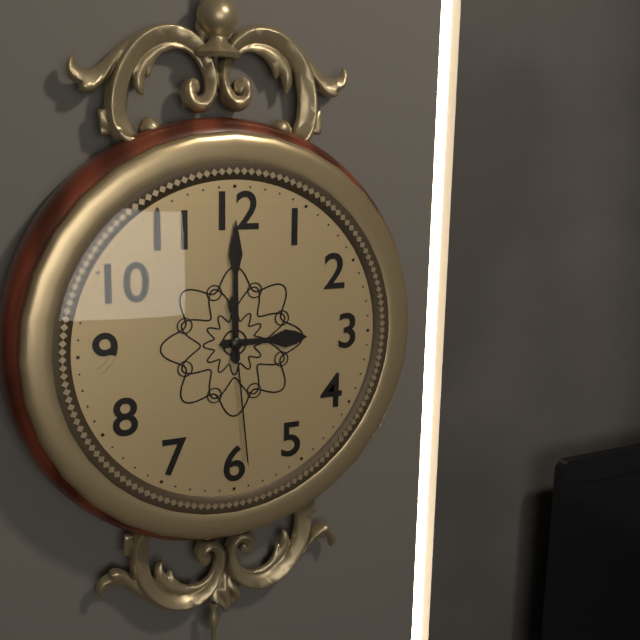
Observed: 3h00m29s
